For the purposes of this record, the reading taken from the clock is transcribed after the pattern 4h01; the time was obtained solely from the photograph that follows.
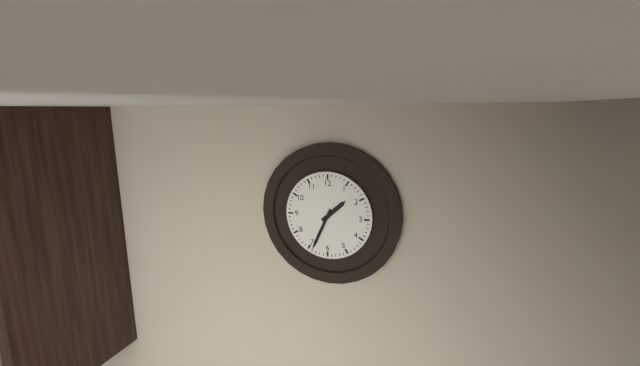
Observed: 1h34
